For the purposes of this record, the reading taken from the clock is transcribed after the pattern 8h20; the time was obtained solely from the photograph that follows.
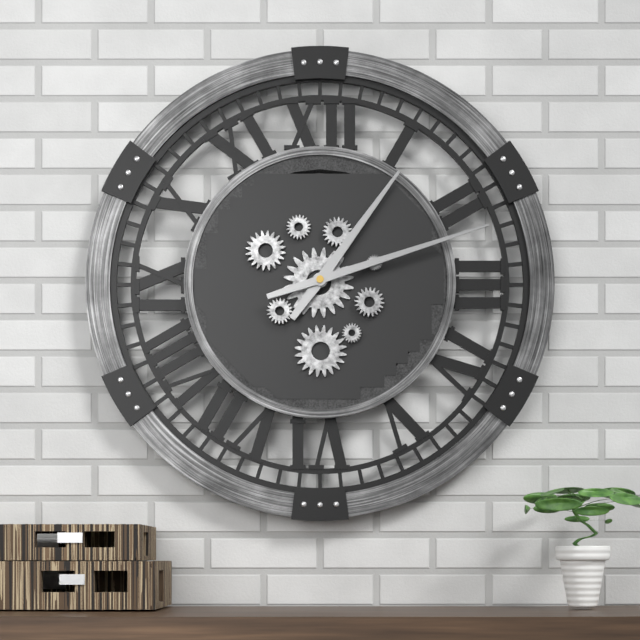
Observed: 1h12
